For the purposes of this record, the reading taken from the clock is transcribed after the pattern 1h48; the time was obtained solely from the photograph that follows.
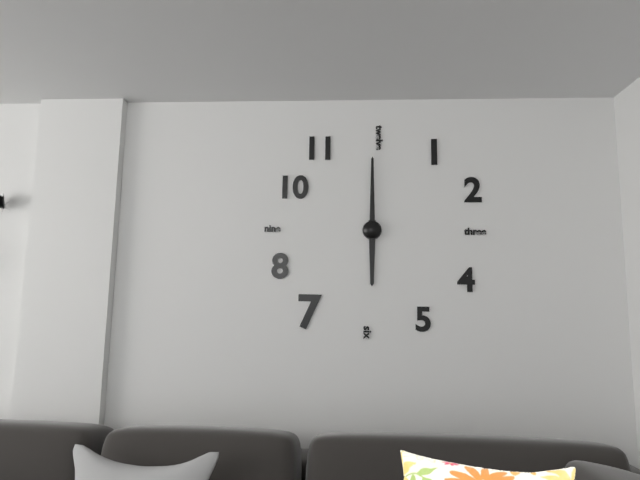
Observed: 6h00
